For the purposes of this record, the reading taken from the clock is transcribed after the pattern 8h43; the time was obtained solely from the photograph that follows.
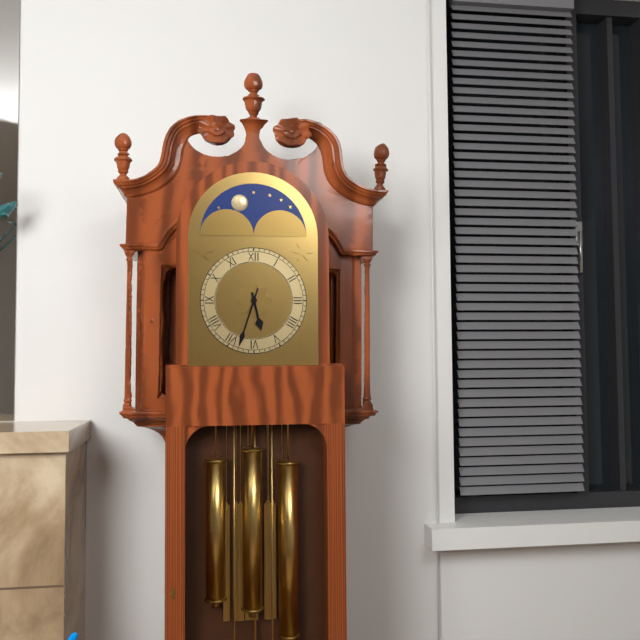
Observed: 5h33
